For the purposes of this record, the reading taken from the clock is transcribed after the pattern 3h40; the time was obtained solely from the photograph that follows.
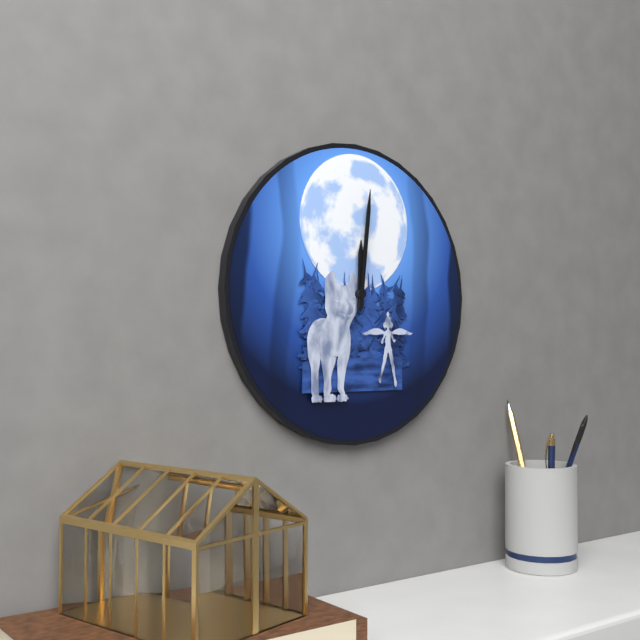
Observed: 12h01
